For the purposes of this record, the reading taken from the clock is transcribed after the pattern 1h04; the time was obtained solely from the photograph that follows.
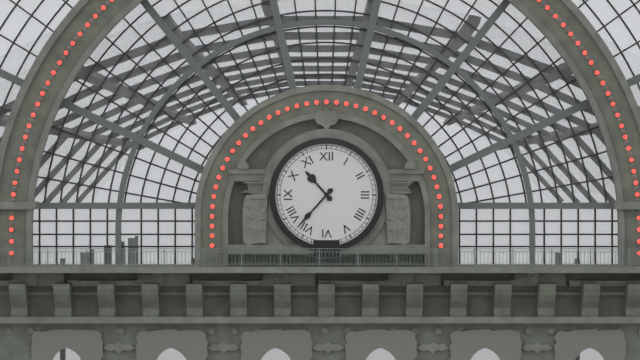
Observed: 10h37
